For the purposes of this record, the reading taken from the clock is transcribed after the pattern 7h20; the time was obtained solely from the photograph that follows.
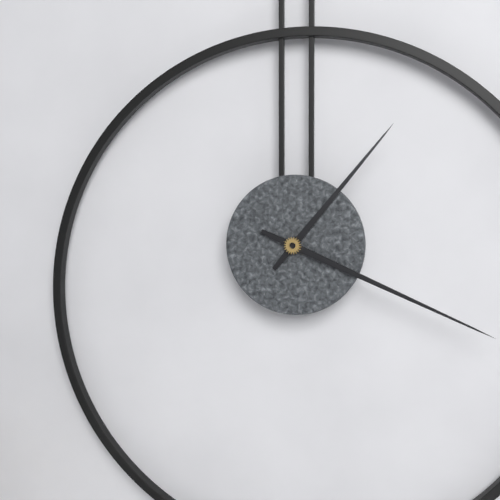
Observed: 1h19
